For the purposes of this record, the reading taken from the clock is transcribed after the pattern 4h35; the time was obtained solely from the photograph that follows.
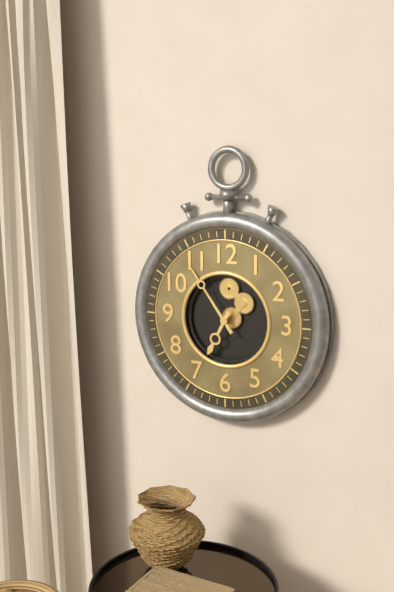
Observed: 6h54
